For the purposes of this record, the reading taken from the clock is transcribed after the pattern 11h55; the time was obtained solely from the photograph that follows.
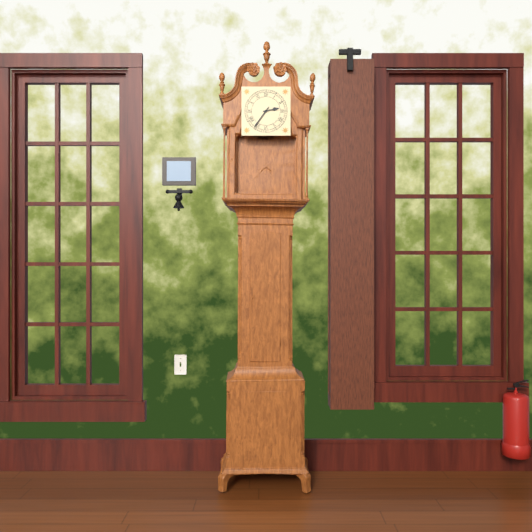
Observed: 2h36
